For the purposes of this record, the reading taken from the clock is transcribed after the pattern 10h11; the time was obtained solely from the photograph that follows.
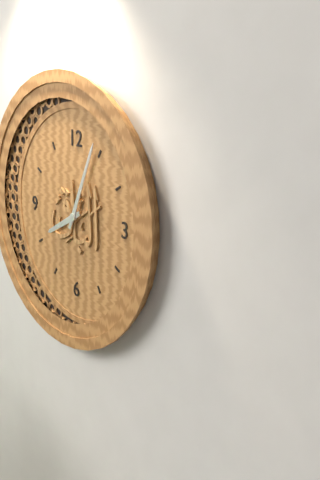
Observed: 8h04
